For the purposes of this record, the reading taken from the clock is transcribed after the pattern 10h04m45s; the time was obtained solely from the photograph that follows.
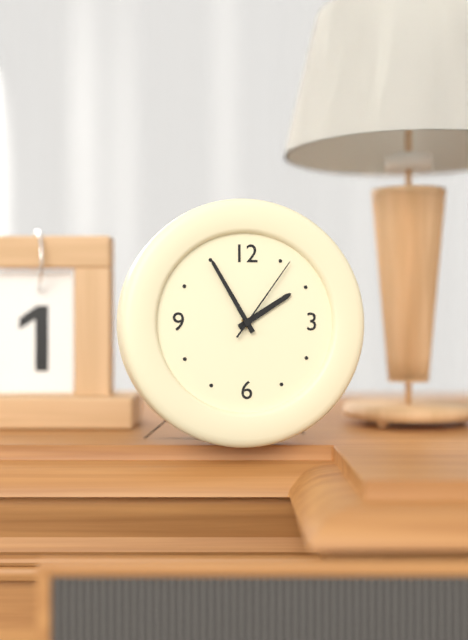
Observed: 1h55m06s
